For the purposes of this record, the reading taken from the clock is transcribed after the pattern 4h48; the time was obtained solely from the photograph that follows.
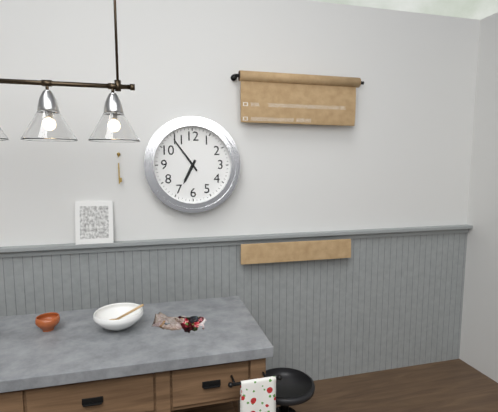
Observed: 6h54
